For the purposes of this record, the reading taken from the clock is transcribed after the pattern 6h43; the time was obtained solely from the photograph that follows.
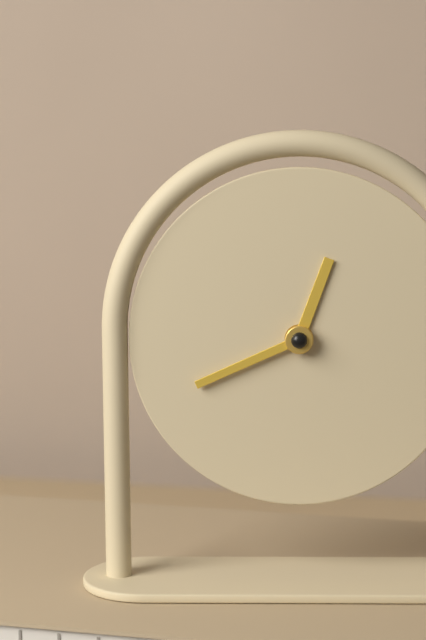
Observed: 12h41
